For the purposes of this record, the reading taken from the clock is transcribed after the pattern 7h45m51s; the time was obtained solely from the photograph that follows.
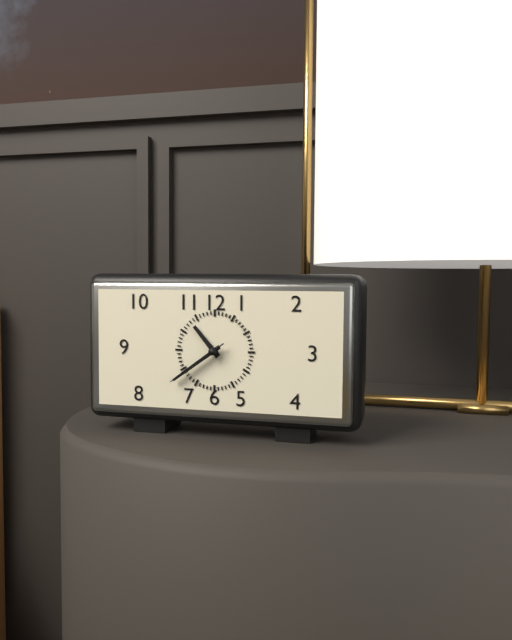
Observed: 10h39m39s
